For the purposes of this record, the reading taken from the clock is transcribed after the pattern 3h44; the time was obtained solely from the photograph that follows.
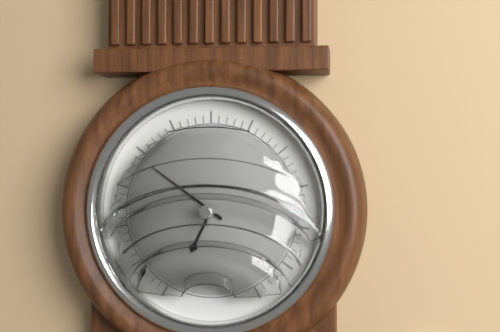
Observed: 6h51
